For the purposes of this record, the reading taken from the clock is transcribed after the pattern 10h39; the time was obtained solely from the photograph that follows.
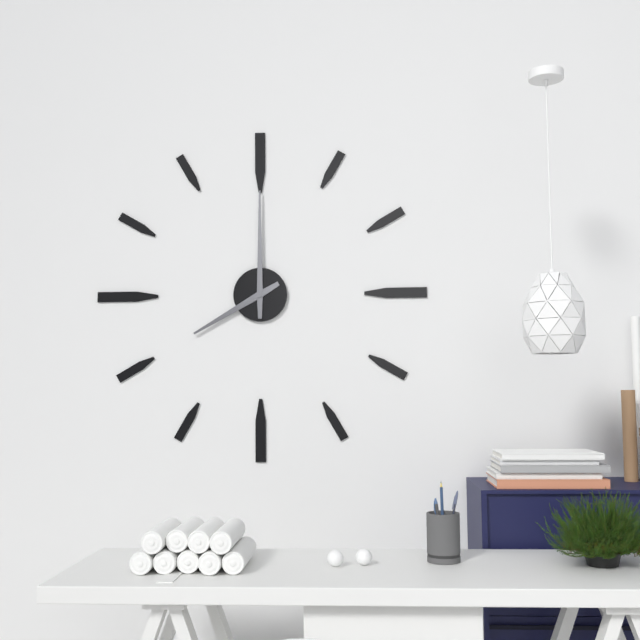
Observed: 8h00
